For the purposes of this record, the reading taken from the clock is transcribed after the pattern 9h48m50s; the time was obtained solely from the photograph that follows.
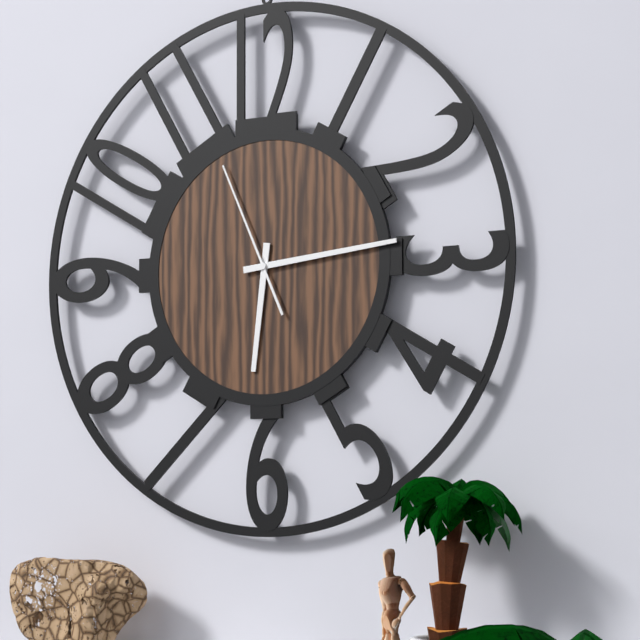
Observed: 6h14m56s
